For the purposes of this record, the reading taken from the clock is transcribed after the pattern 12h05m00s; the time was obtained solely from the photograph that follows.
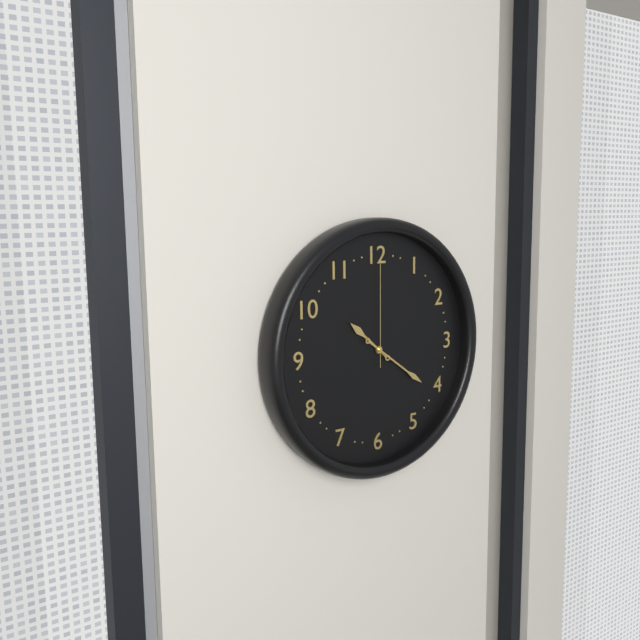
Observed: 10h21m00s
